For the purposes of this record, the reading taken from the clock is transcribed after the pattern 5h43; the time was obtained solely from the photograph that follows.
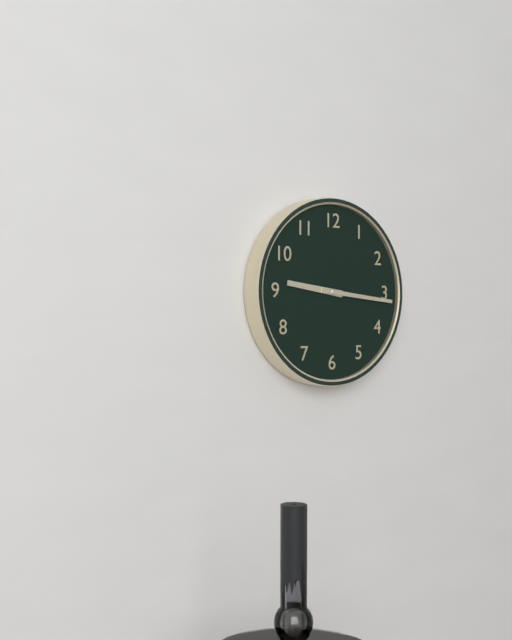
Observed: 9h16
